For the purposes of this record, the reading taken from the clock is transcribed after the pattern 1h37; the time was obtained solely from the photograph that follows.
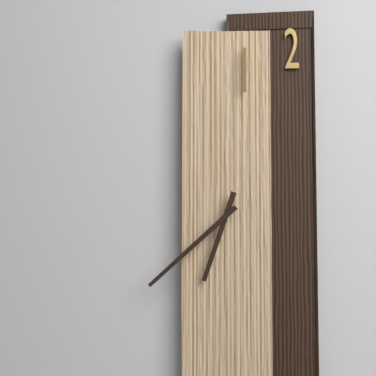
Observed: 6h38
